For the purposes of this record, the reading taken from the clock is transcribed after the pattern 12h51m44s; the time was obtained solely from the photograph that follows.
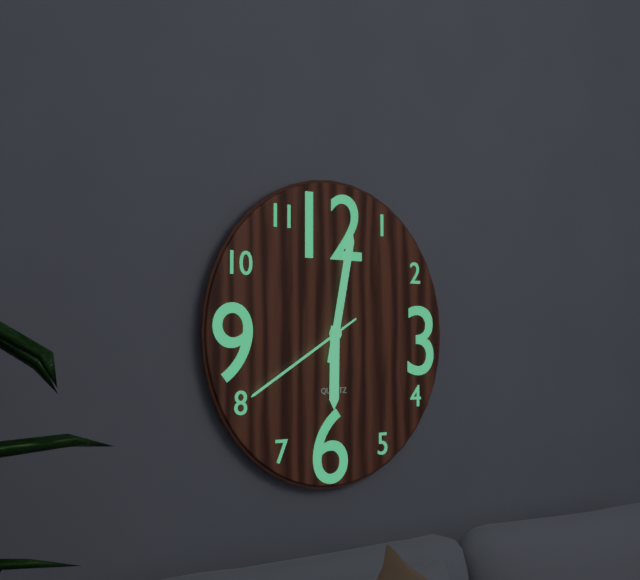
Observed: 6h02m40s
